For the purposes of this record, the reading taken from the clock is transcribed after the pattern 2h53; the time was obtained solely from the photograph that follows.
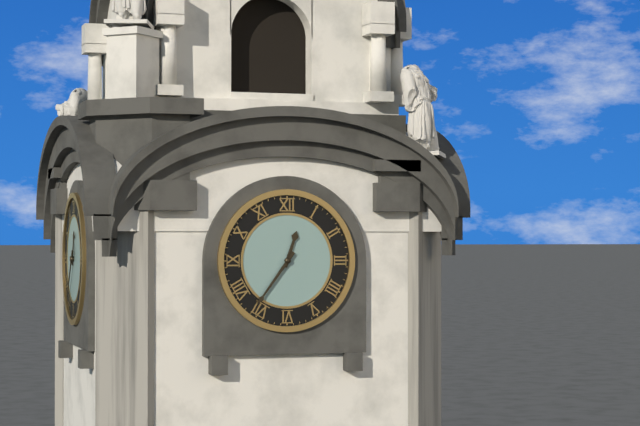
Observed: 12h36
